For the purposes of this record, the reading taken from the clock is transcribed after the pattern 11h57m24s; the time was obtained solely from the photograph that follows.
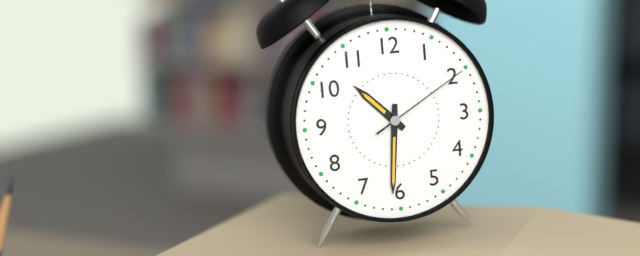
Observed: 10h31m10s
